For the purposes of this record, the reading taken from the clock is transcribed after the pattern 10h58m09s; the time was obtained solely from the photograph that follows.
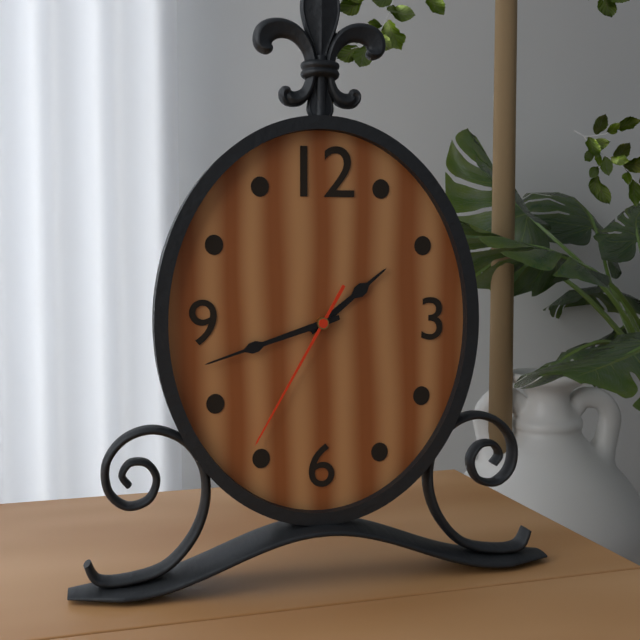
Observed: 1h42m35s
